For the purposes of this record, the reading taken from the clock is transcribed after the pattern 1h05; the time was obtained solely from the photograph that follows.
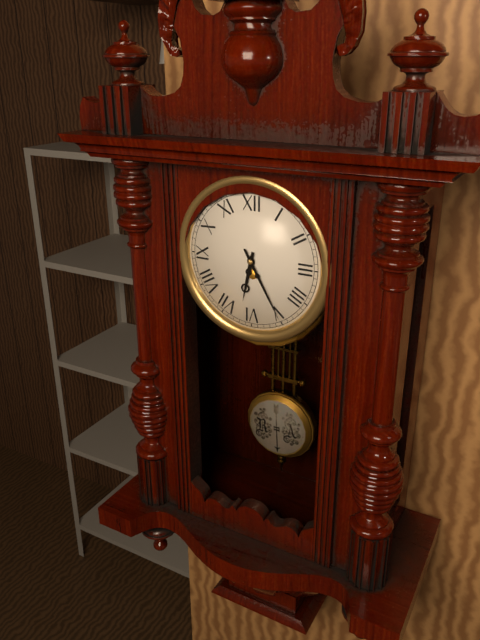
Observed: 6h25
